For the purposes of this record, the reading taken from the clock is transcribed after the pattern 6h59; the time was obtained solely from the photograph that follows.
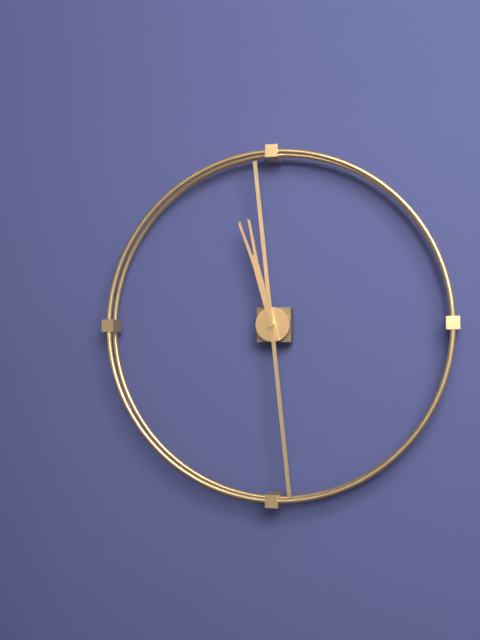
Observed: 11h29
